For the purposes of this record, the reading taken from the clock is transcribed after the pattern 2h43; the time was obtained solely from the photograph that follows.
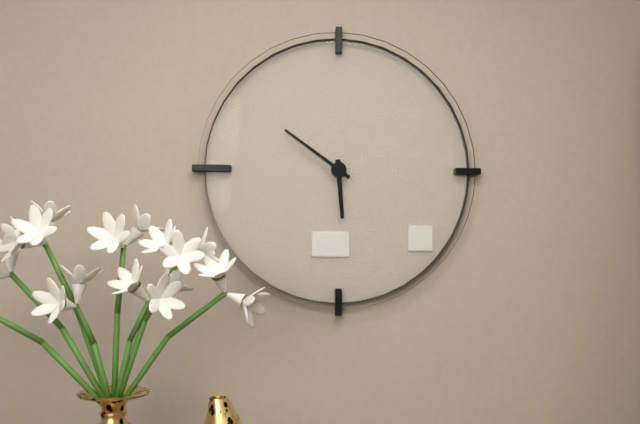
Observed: 5h51
